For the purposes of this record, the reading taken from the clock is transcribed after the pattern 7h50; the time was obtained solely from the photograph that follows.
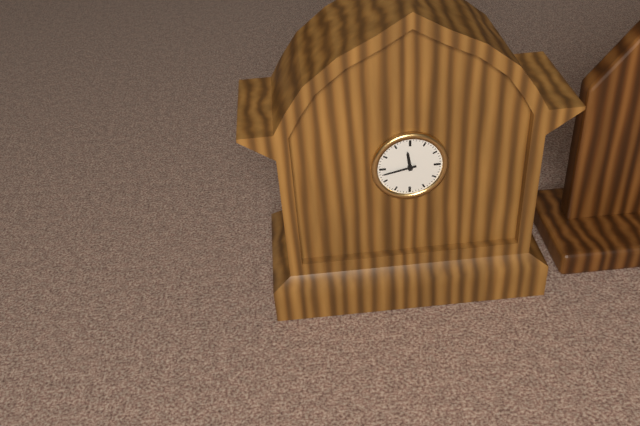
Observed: 11h43
